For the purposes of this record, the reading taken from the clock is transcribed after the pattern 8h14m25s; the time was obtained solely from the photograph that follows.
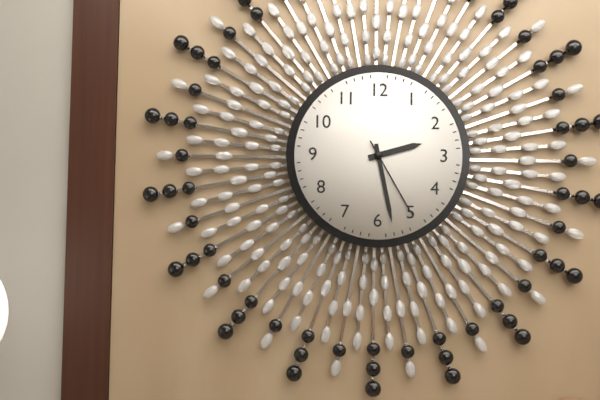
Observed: 2h28m25s
